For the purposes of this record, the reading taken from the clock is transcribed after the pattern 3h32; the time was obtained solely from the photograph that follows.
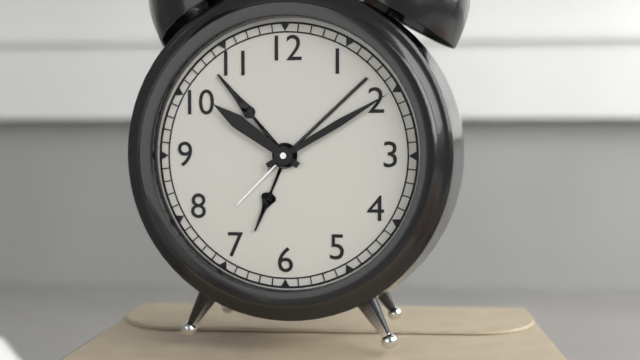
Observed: 10h10
